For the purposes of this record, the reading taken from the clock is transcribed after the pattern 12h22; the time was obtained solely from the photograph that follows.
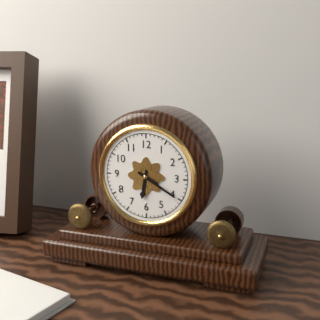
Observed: 6h20
